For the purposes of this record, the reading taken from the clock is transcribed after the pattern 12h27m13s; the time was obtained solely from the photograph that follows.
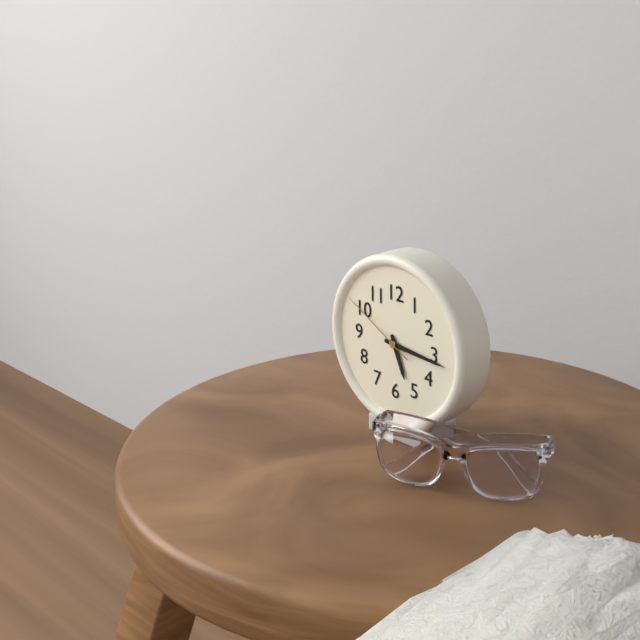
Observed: 5h16m50s
